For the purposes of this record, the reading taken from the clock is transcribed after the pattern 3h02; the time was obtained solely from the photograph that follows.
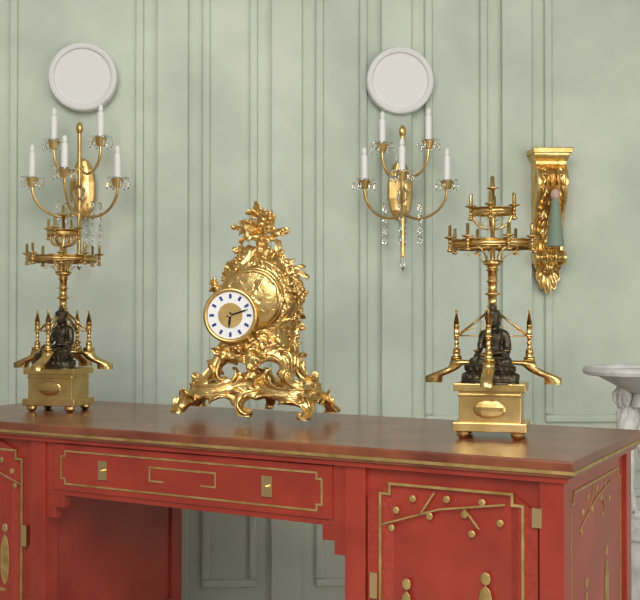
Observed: 6h12
